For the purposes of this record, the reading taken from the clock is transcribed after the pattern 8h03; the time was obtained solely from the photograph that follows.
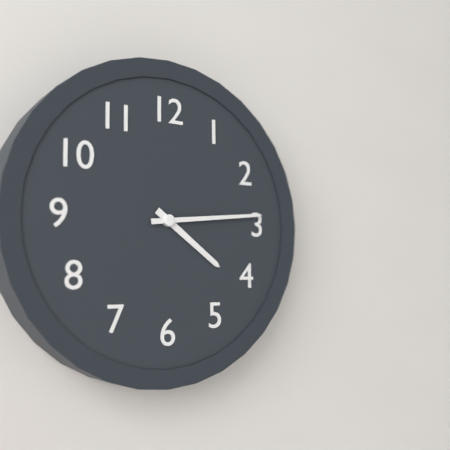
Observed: 4h14
